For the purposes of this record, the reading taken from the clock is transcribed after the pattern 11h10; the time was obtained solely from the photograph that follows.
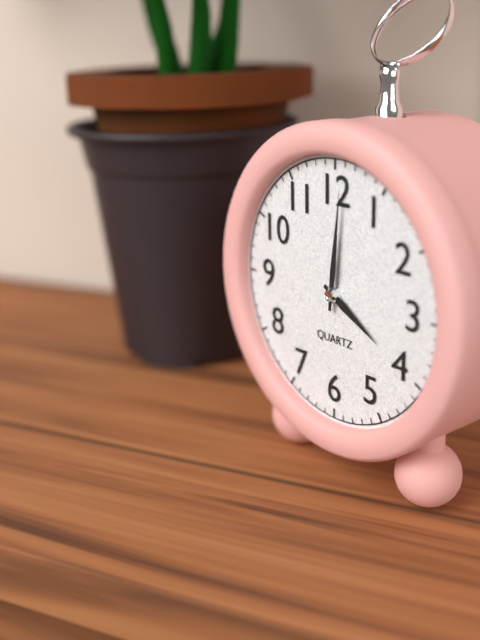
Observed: 4h01
